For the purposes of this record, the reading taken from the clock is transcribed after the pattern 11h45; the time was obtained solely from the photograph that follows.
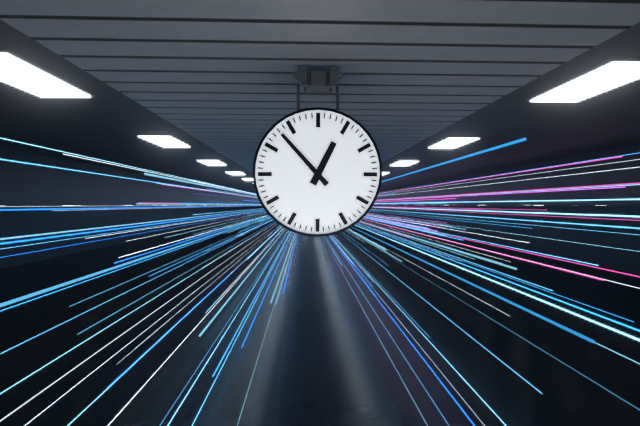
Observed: 12h53
